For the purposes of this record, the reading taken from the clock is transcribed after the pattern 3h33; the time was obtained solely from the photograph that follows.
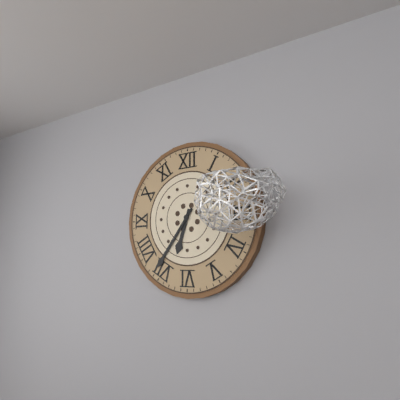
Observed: 6h36
